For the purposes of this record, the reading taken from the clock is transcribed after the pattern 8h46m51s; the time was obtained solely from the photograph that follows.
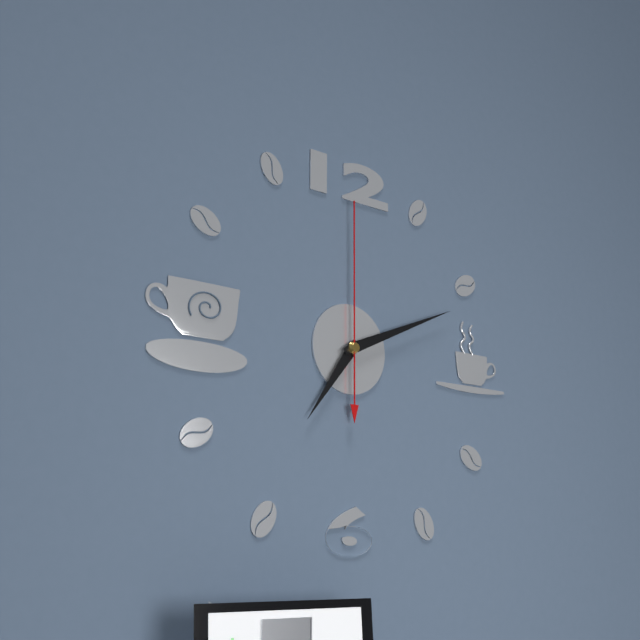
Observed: 7h11m00s
